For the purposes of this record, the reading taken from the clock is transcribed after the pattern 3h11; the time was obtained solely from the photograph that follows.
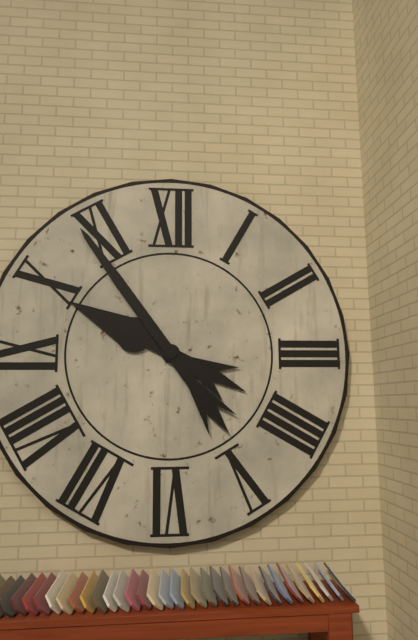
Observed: 9h54
